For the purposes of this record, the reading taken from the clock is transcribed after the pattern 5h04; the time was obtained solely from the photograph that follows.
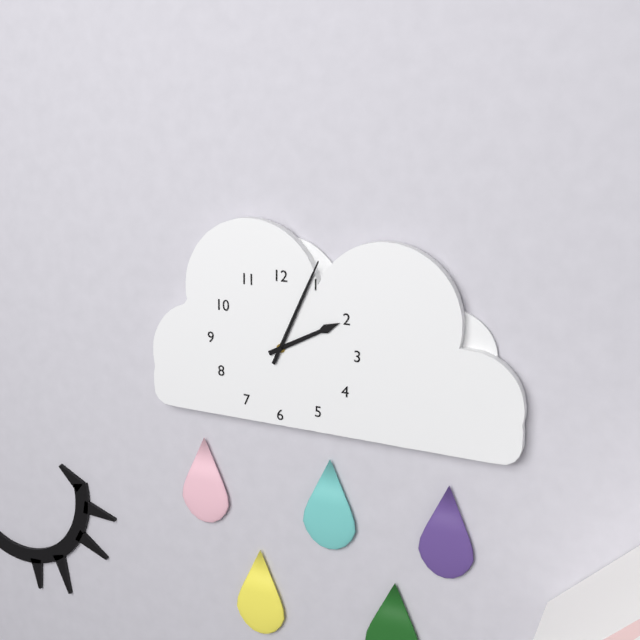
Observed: 2h04
